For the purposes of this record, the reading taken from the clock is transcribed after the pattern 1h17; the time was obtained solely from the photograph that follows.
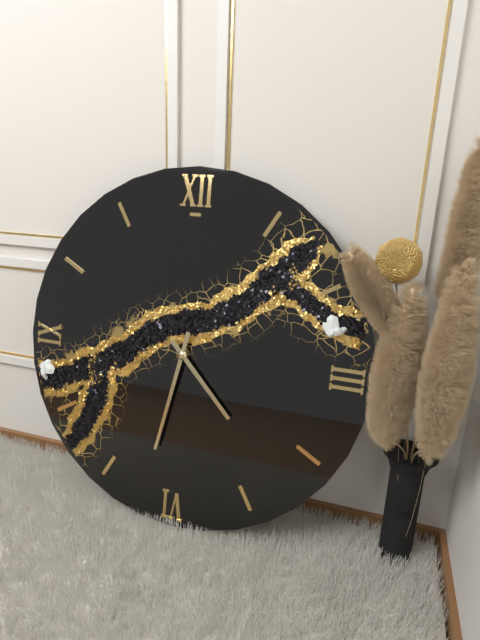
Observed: 4h32
